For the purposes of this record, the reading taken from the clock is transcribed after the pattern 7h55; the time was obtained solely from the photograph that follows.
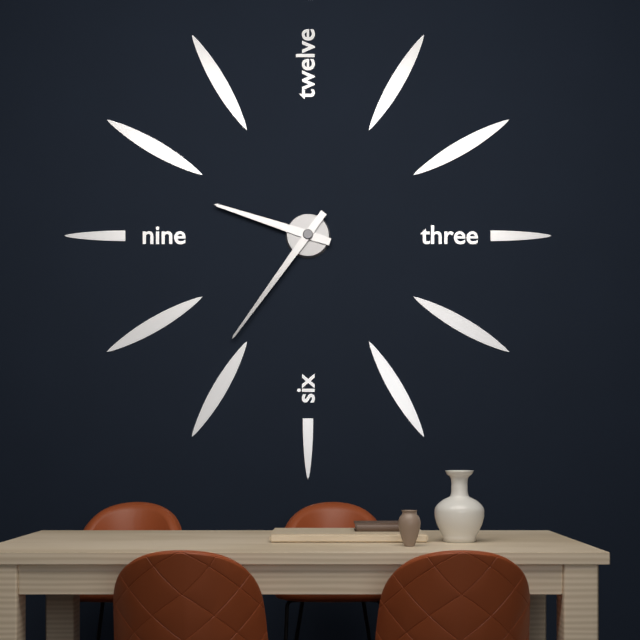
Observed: 9h36
